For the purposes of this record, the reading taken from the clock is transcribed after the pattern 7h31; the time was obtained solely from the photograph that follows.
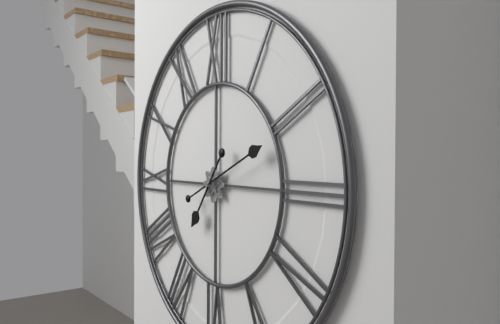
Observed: 7h11
